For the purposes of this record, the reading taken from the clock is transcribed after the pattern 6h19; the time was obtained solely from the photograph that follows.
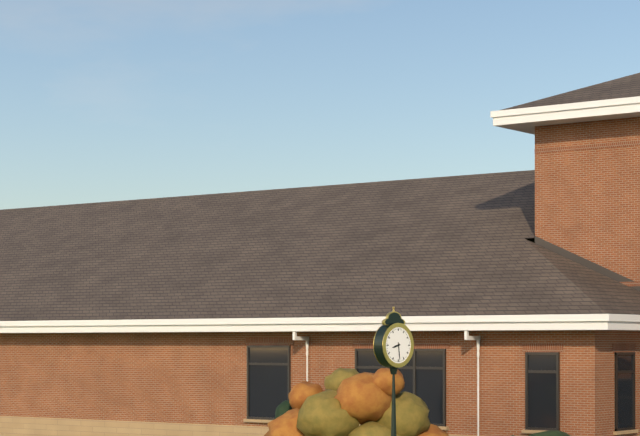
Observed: 8h29
